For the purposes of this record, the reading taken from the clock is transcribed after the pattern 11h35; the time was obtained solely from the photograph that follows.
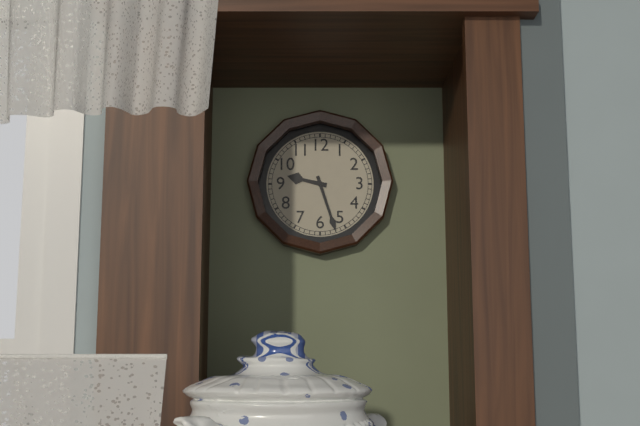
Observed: 9h27
